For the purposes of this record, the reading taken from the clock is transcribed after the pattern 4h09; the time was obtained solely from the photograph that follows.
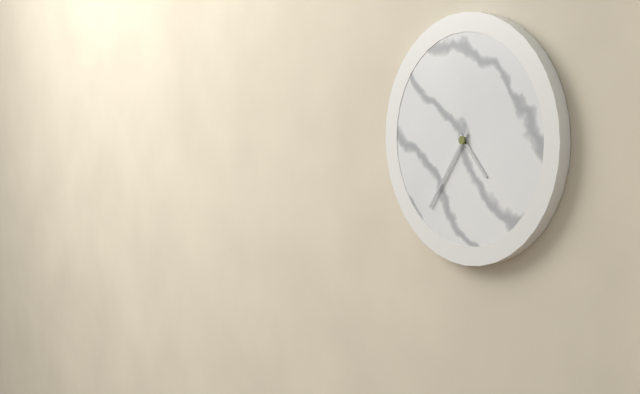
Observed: 4h36
